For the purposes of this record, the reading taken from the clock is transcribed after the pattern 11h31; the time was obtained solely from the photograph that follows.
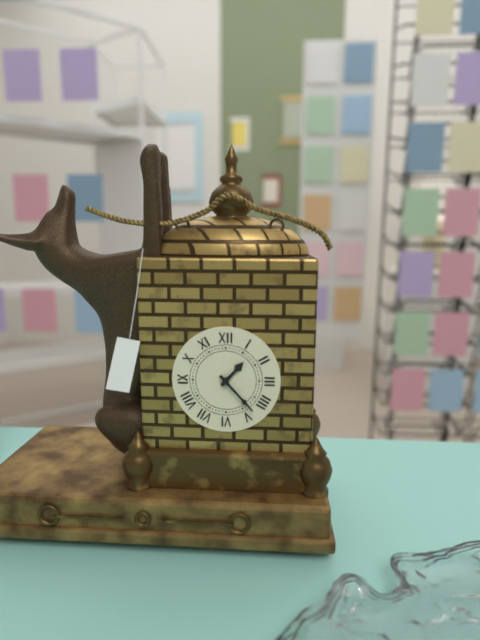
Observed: 1h23
